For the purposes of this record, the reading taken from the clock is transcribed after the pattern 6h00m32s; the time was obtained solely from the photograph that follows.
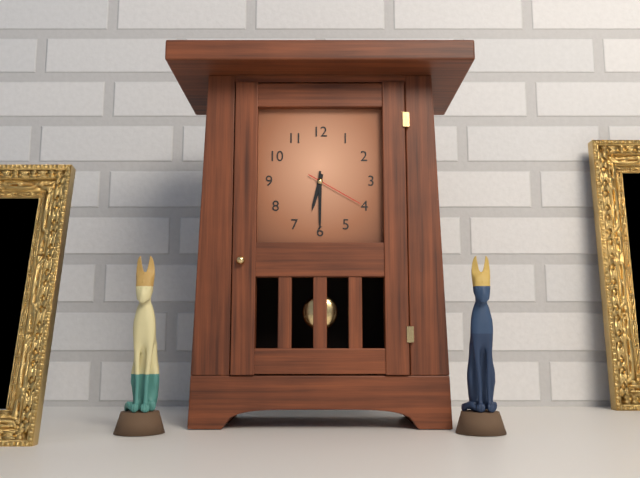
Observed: 6h30m20s
